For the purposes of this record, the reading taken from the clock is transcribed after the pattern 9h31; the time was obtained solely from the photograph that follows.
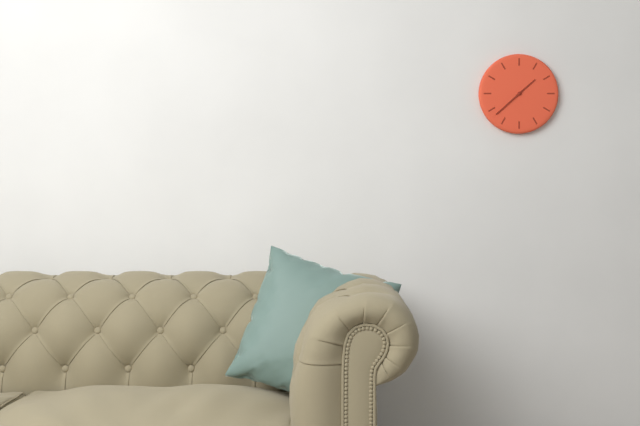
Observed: 1h38
